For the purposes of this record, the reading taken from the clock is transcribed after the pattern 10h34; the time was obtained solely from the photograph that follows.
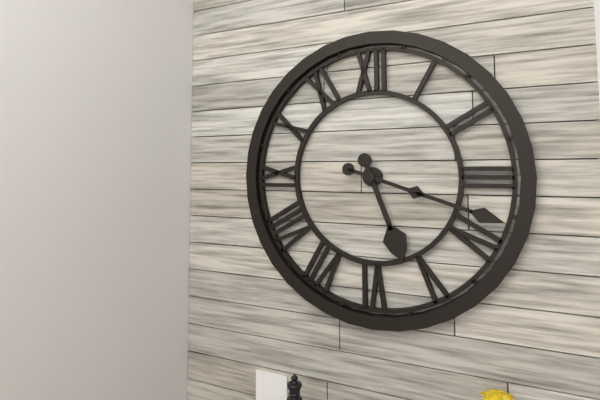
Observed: 5h18
